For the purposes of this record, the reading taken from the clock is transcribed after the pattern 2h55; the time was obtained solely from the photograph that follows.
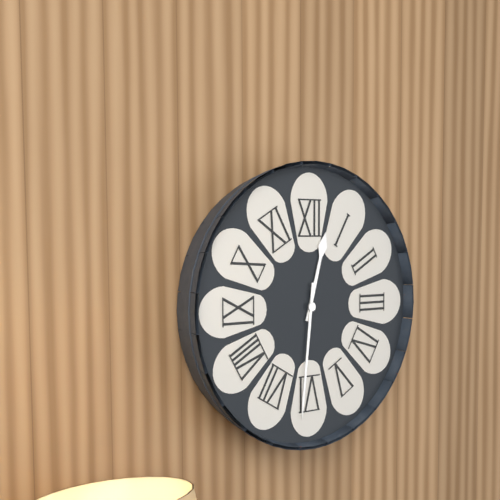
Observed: 12h31
